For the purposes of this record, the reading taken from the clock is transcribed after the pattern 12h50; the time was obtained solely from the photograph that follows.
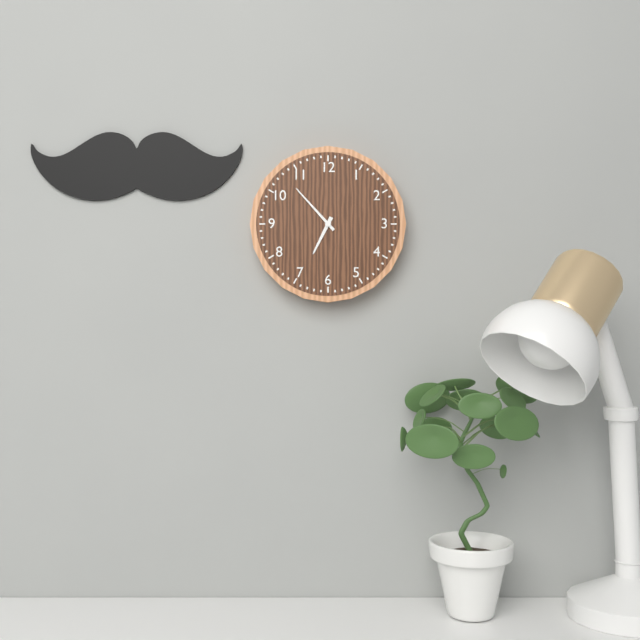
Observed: 6h53
